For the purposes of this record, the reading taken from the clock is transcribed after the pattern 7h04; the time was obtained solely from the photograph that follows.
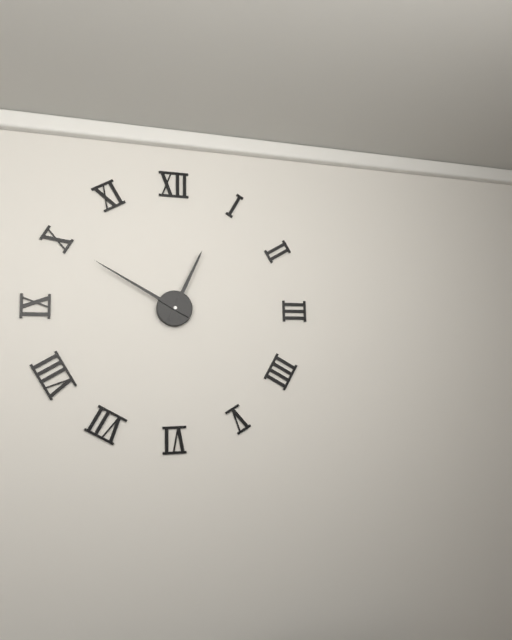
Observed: 12h50
